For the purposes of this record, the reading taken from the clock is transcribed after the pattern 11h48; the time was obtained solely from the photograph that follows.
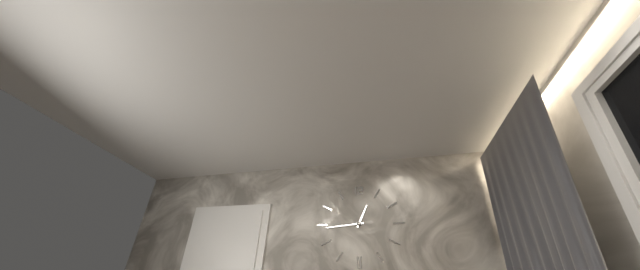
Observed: 12h44
